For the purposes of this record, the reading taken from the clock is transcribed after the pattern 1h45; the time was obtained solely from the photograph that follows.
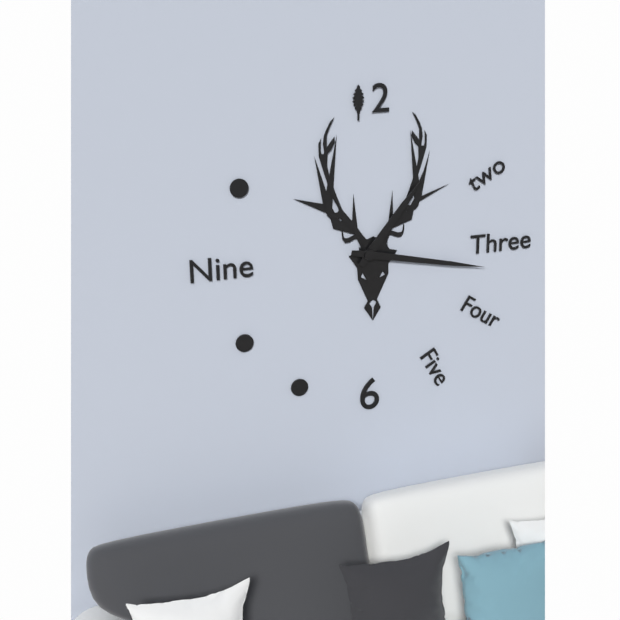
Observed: 1h17
